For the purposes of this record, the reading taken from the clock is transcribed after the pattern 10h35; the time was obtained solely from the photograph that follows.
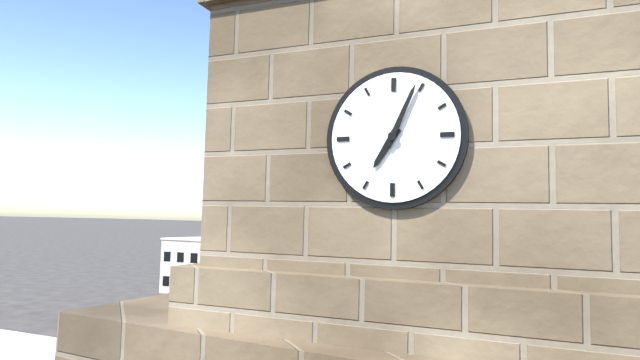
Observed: 7h04
